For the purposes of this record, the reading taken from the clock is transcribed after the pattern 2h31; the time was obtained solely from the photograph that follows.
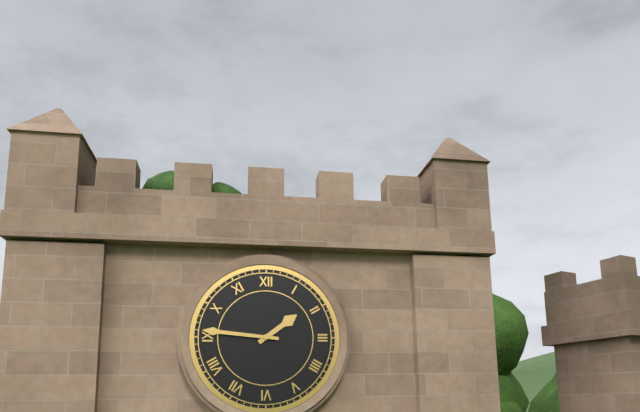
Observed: 1h46
